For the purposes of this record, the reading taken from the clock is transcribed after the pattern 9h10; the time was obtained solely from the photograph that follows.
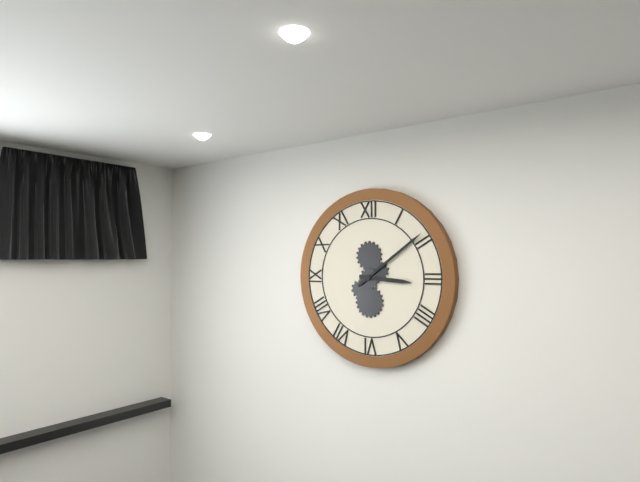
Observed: 3h09
